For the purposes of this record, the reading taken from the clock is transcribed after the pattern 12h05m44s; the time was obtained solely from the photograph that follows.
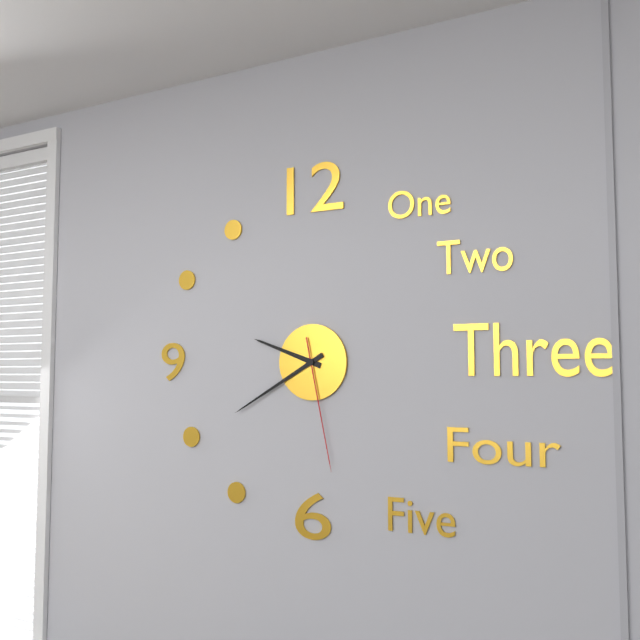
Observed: 9h40m28s
